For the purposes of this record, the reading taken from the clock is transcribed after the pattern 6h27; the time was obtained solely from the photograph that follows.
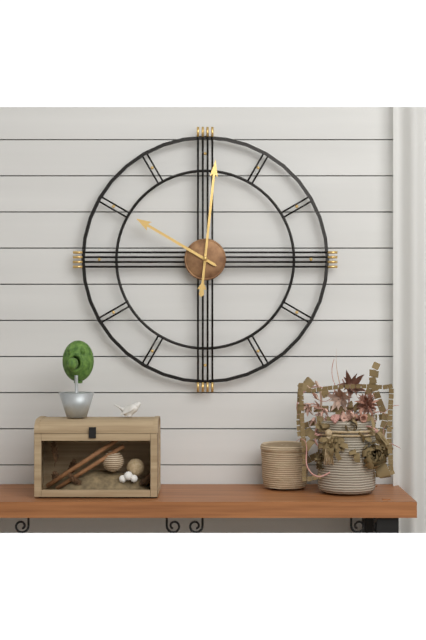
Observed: 10h01
